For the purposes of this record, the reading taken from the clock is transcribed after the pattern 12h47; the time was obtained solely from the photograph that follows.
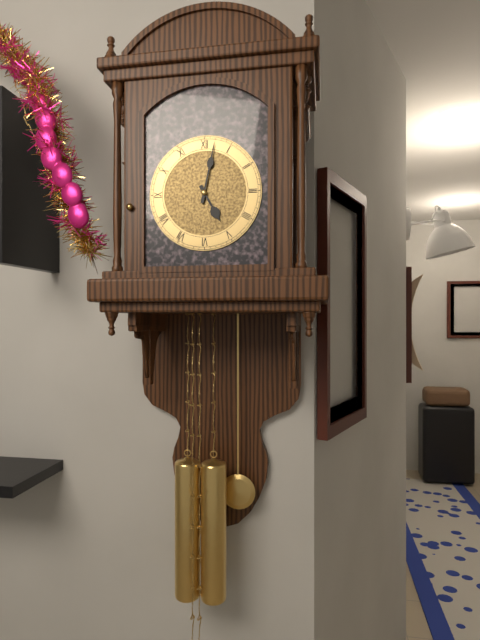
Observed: 5h02
